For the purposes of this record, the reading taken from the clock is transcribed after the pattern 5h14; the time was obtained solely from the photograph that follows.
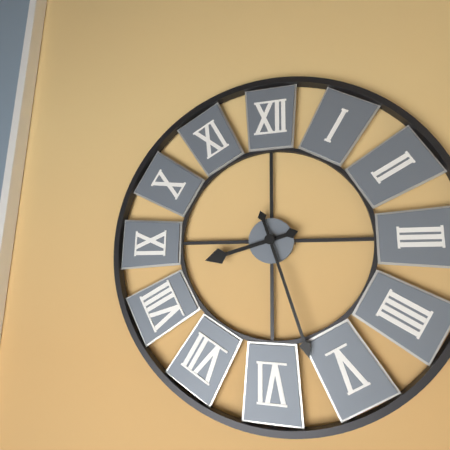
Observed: 8h27
